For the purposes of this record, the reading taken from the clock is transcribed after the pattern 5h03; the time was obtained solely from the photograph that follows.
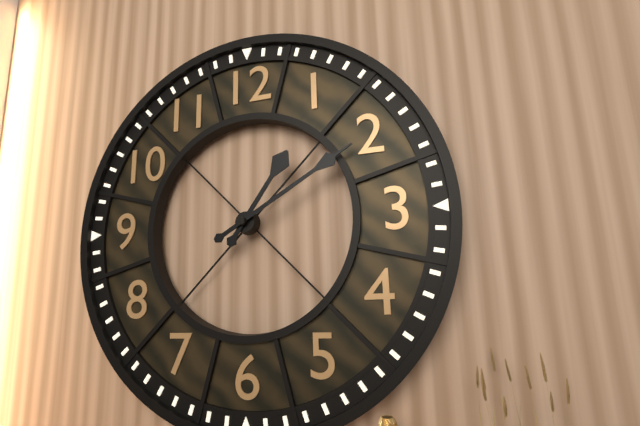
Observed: 1h10
